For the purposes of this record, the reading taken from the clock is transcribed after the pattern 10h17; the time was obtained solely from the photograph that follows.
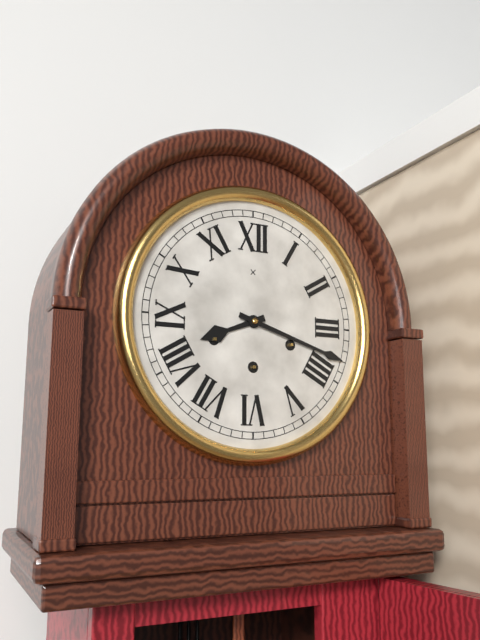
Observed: 8h18
